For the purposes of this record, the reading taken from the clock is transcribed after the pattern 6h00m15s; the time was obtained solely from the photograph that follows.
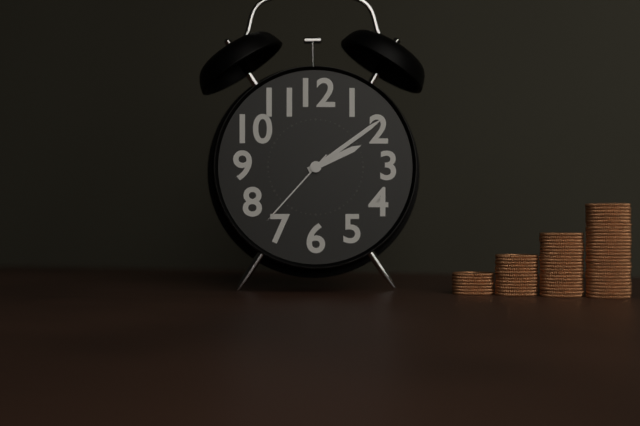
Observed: 2h09m37s
